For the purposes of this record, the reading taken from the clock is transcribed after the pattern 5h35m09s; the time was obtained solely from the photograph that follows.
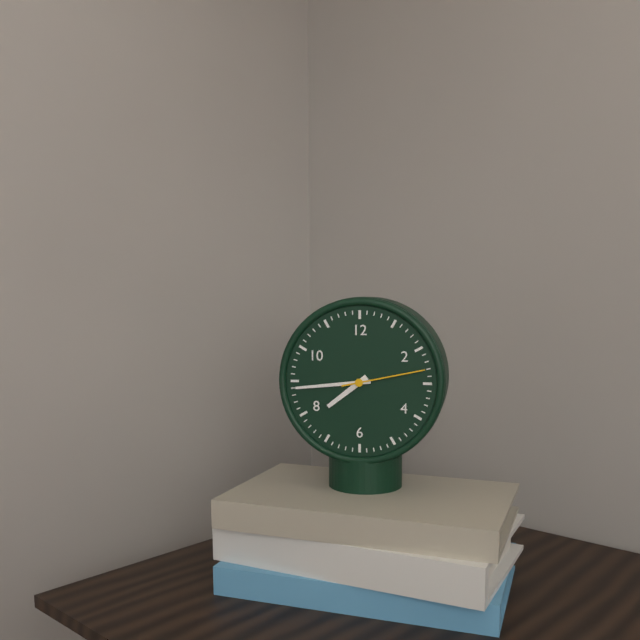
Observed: 7h44m13s
